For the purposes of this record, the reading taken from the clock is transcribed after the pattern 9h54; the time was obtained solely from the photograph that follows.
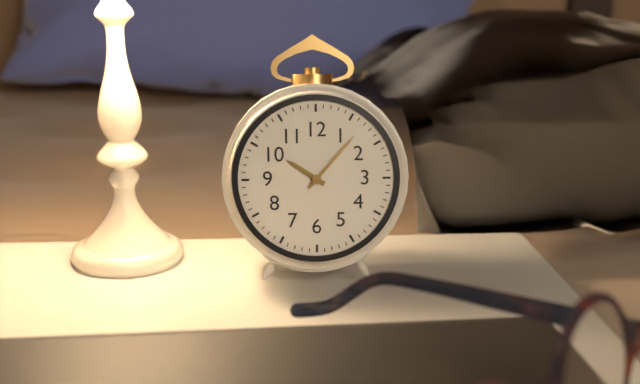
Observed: 10h07
